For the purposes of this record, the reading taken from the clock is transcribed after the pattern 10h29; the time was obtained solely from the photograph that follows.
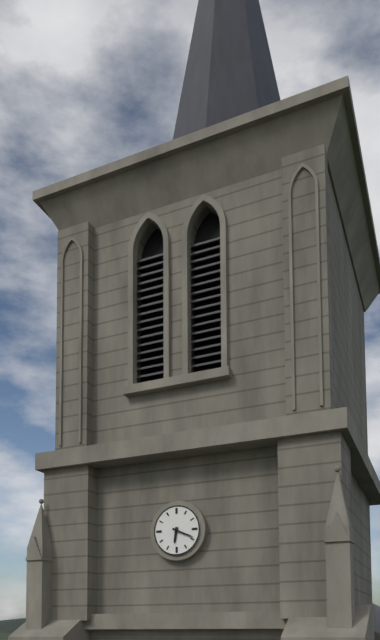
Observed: 6h19
